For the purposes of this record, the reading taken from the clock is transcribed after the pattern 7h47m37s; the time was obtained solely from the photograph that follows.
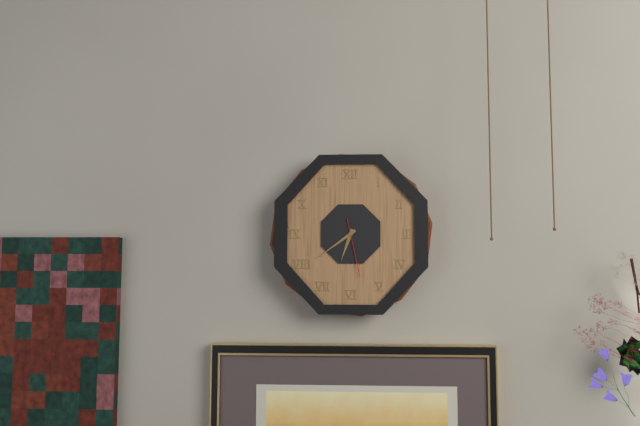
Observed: 6h39m28s
